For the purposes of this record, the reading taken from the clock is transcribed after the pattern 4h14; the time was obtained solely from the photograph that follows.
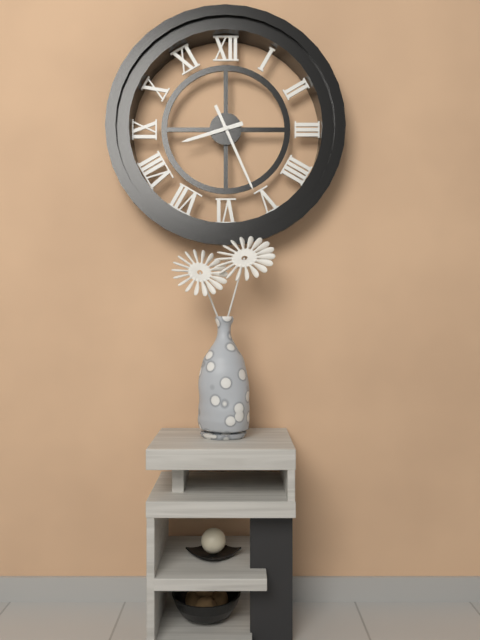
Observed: 8h26
